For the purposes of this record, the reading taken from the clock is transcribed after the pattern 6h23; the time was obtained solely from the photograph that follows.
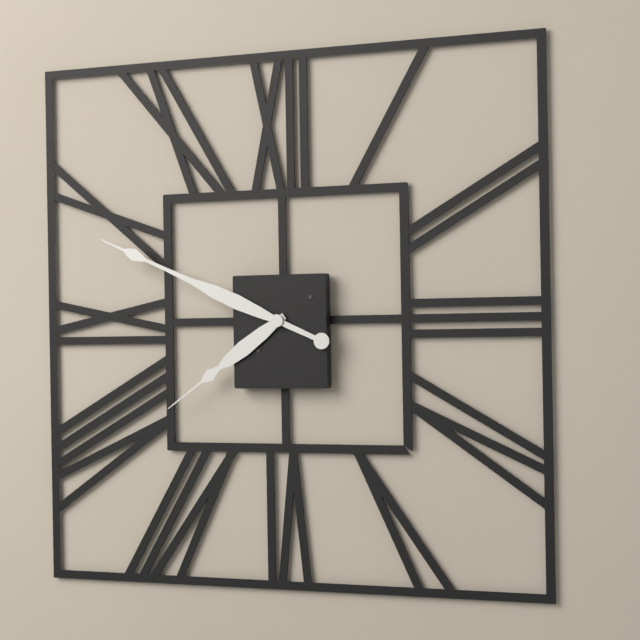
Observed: 7h49
